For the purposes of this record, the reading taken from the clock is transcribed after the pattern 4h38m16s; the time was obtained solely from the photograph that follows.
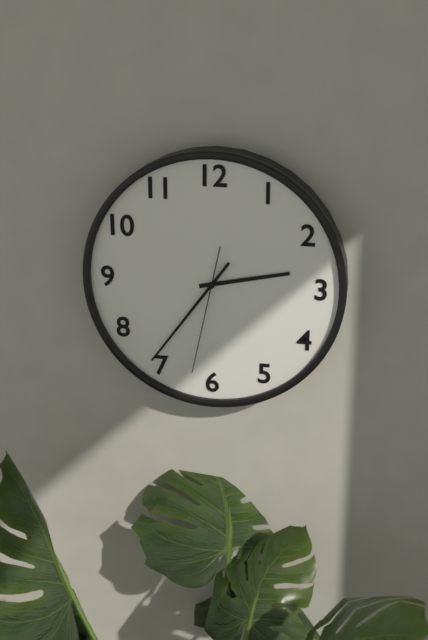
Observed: 2h36m32s
